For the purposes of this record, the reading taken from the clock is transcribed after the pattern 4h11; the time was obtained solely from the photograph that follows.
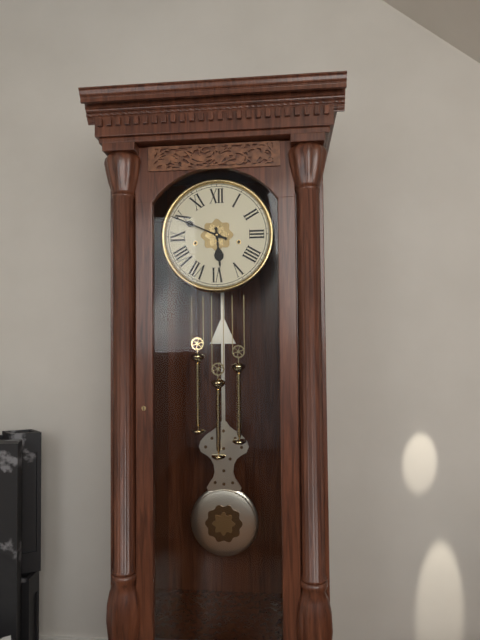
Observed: 5h49
